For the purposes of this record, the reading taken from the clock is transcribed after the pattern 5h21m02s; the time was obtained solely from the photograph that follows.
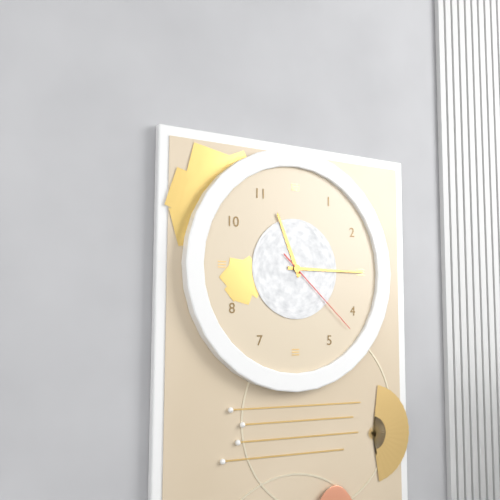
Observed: 11h15m22s
